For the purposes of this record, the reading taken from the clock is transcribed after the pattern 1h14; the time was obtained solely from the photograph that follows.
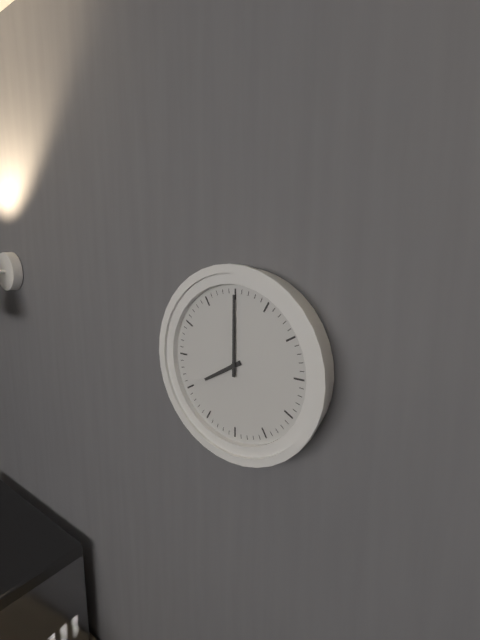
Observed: 8h00
